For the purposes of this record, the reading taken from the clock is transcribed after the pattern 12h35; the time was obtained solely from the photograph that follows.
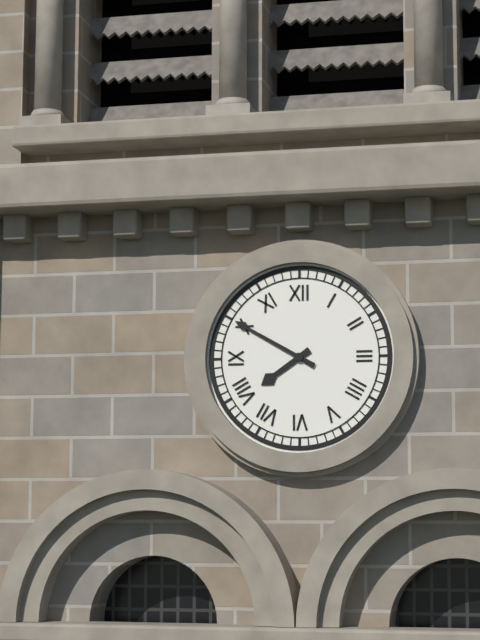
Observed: 7h50
